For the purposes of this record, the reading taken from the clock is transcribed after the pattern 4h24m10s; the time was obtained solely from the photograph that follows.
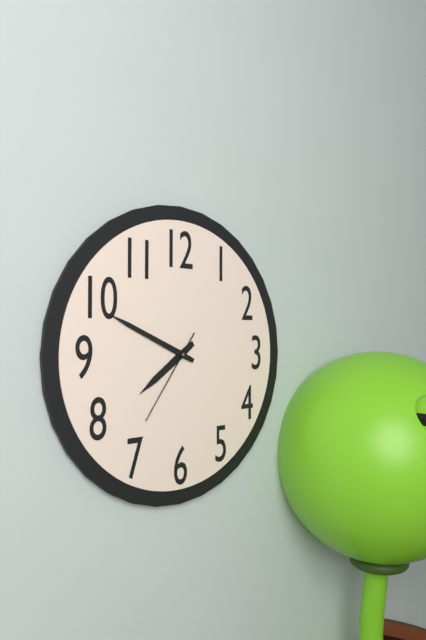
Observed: 7h49m36s
